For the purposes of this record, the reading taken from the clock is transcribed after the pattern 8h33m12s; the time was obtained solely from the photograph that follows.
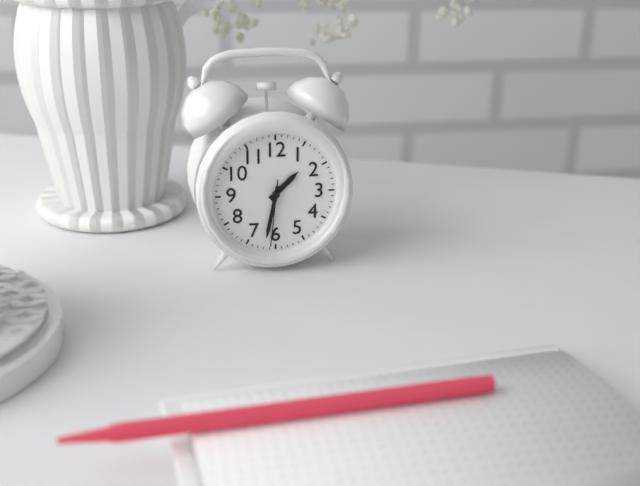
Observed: 1h32m31s
